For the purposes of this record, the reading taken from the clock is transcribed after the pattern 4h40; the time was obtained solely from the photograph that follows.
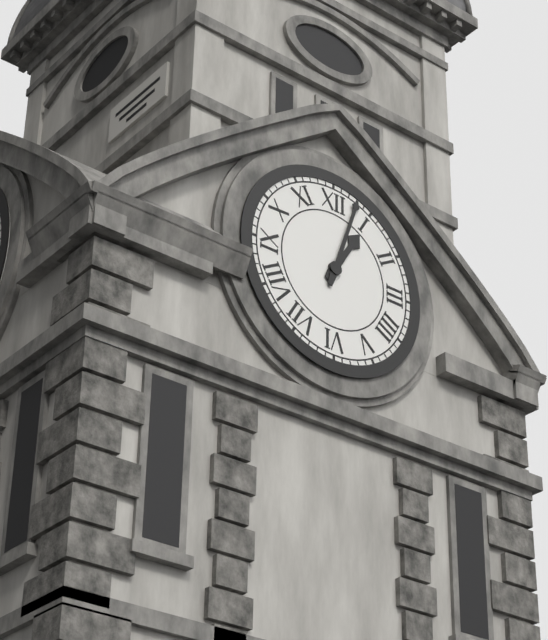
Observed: 1h03
